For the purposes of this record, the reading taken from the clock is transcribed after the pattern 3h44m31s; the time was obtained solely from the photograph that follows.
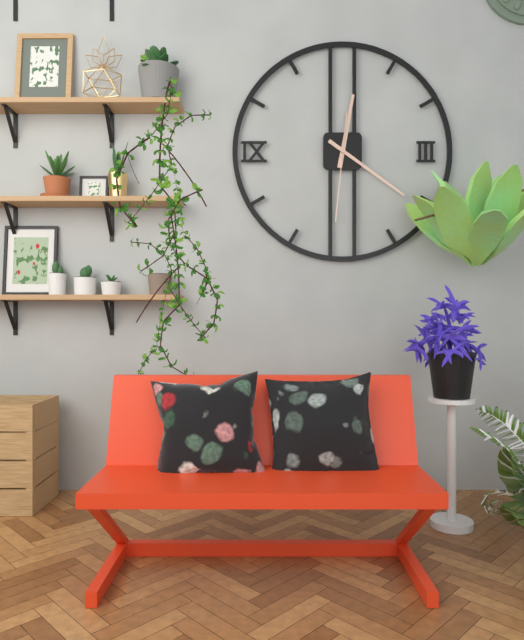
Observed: 12h21m31s
